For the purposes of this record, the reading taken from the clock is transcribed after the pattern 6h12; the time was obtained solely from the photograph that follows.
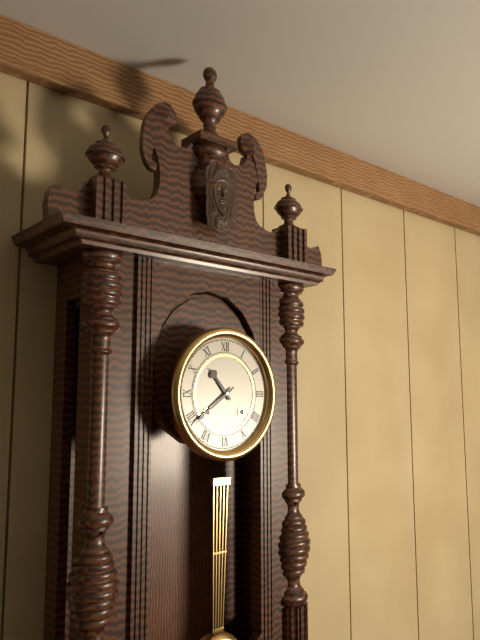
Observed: 10h39
